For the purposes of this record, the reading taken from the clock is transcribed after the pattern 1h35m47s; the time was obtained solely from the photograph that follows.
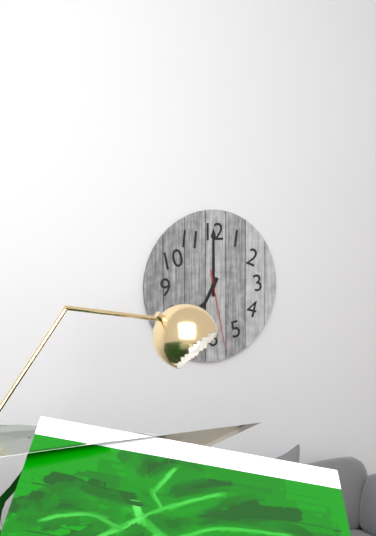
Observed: 7h00m28s
